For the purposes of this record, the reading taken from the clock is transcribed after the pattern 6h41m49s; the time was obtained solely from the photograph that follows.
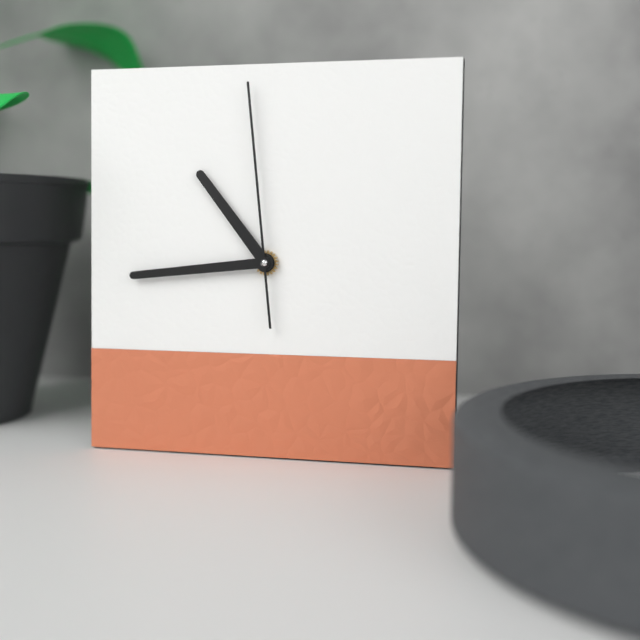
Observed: 10h44m59s
